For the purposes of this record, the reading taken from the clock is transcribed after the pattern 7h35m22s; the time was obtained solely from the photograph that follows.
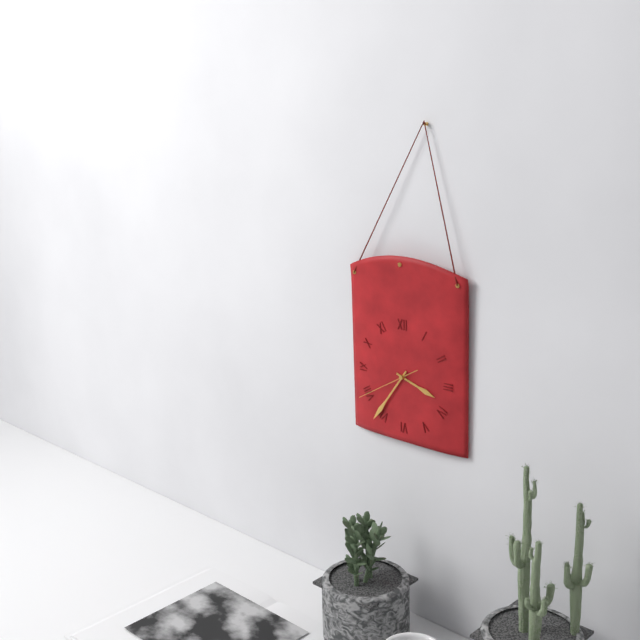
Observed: 3h36m40s
